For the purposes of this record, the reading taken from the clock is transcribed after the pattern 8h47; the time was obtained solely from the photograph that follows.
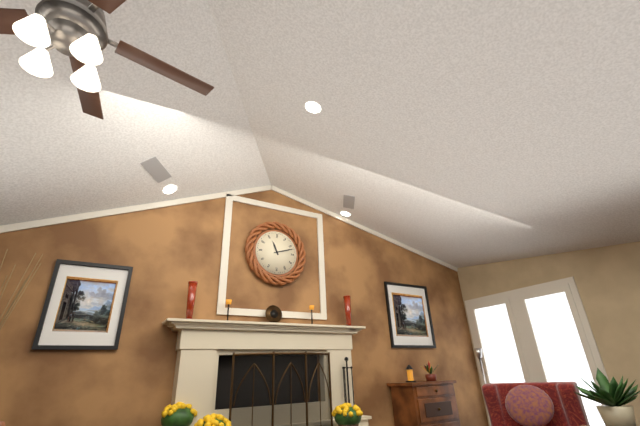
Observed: 11h12
